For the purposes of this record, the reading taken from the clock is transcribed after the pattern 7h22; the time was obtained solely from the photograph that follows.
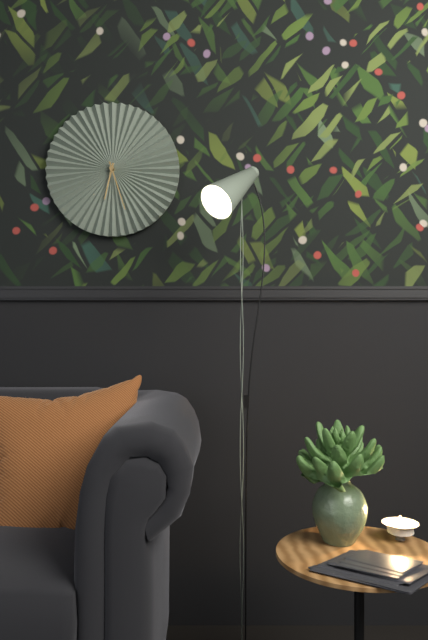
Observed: 6h27
